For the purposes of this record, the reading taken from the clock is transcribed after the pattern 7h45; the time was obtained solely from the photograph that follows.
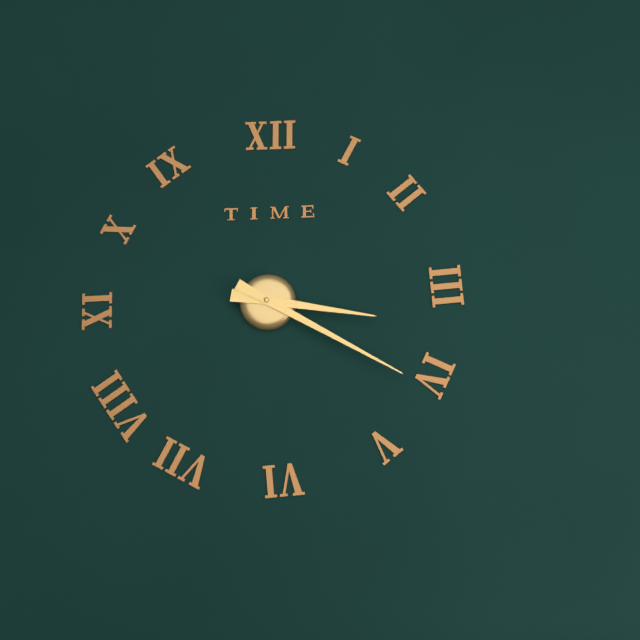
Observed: 3h20
